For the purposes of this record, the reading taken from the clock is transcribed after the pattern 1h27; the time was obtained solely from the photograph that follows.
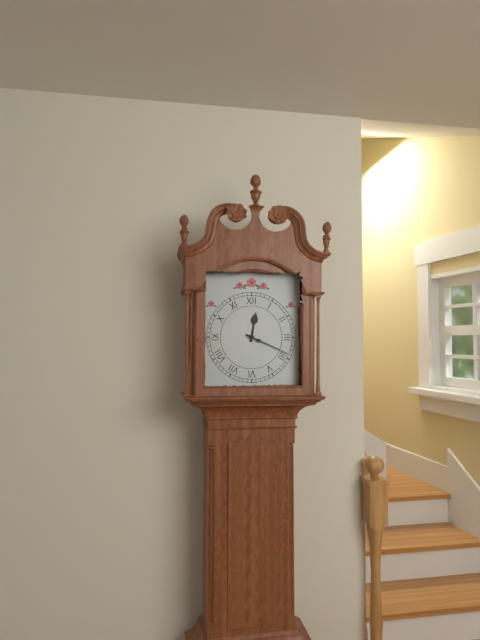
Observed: 12h19
